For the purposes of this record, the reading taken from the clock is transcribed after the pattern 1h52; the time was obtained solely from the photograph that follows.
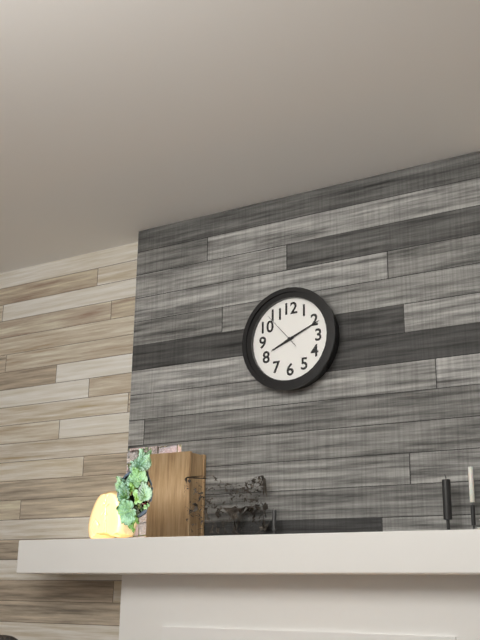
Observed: 8h11
